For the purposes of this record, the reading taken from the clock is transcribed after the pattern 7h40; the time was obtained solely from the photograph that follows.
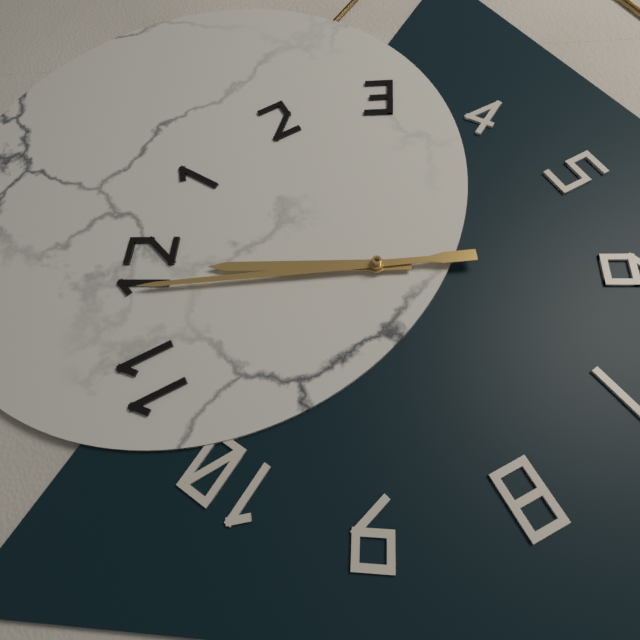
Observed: 11h59
